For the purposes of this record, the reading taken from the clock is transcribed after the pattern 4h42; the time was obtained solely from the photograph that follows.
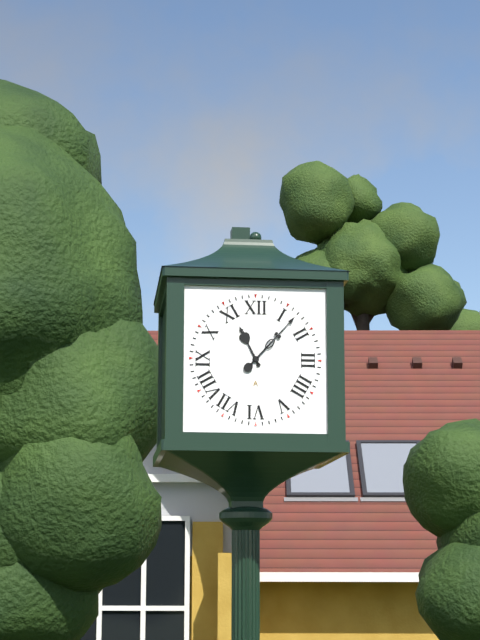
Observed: 11h07
